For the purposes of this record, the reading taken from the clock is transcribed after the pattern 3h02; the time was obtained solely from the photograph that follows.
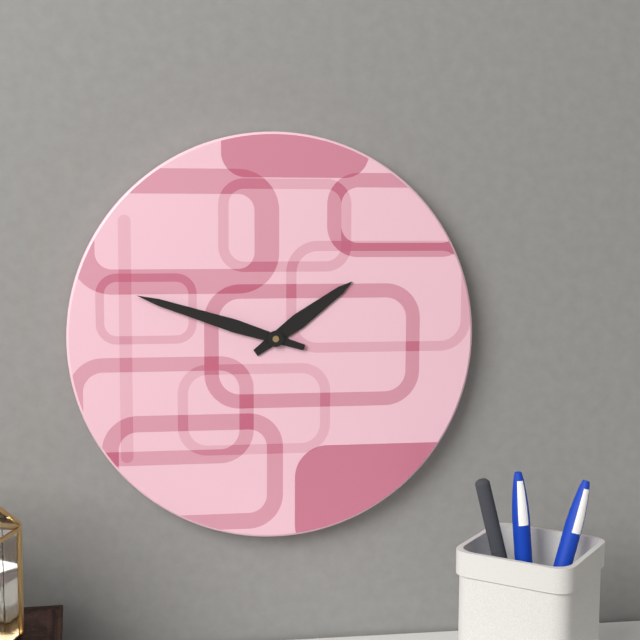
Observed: 1h48
